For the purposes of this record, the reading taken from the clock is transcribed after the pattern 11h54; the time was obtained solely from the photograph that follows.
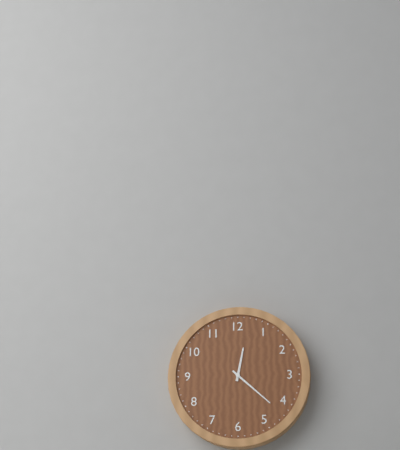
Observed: 12h22
